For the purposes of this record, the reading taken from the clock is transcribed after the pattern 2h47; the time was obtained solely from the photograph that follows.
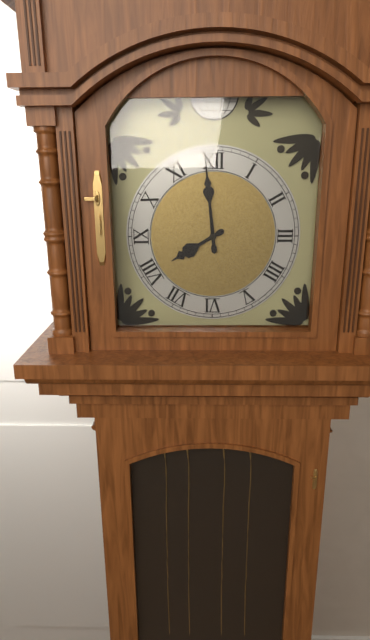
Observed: 7h59
